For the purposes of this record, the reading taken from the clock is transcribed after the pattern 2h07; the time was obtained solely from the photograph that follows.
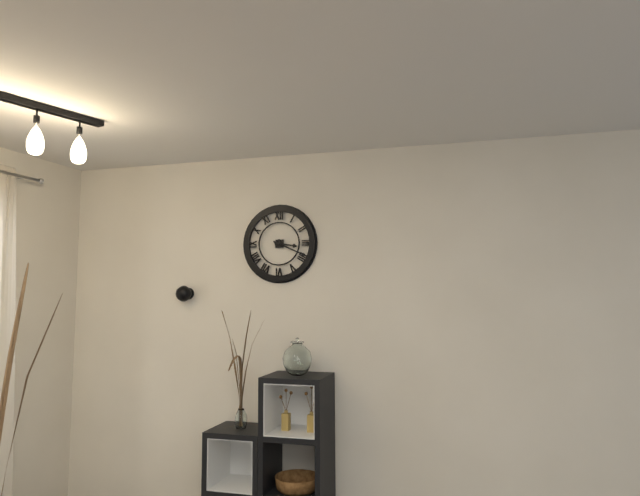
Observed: 3h19
